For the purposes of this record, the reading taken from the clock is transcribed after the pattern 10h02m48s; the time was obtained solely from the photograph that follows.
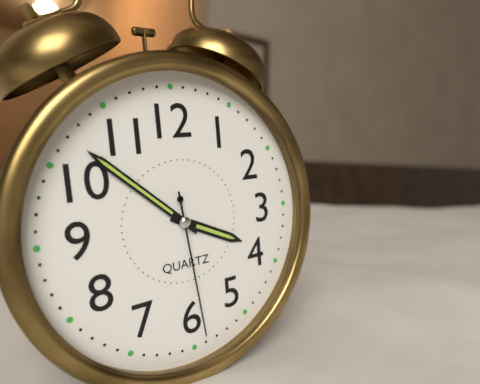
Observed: 3h52m29s
